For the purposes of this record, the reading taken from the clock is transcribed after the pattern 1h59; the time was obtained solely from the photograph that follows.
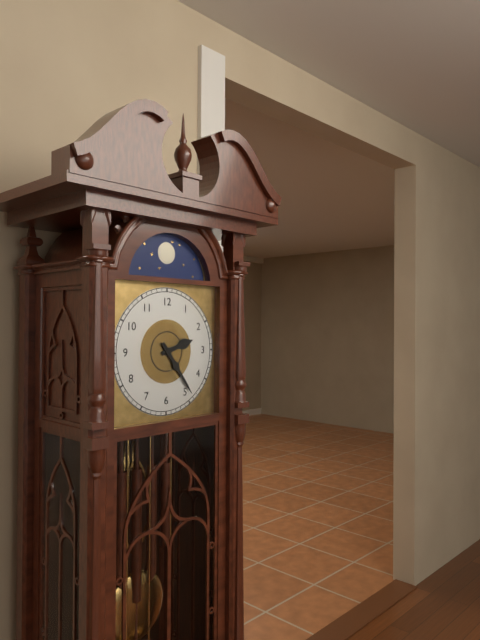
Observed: 2h24
